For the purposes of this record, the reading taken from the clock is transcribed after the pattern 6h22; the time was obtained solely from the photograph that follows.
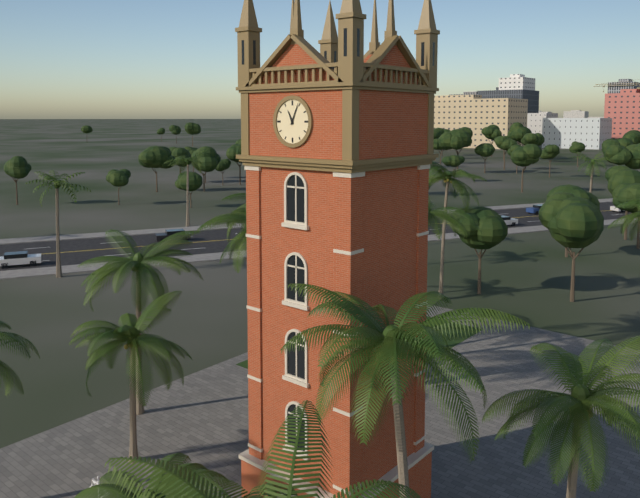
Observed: 11h04
